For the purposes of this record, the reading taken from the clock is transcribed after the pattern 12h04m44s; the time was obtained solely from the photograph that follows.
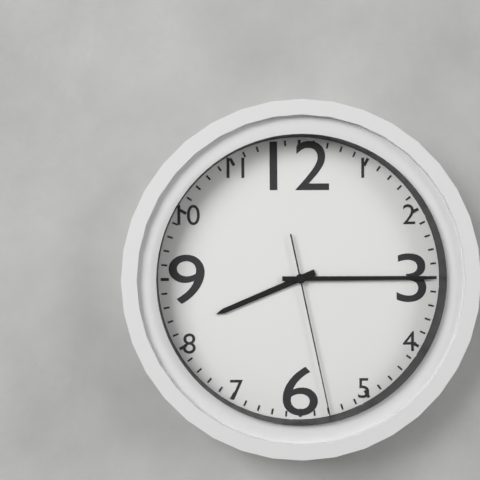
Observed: 8h15m28s
